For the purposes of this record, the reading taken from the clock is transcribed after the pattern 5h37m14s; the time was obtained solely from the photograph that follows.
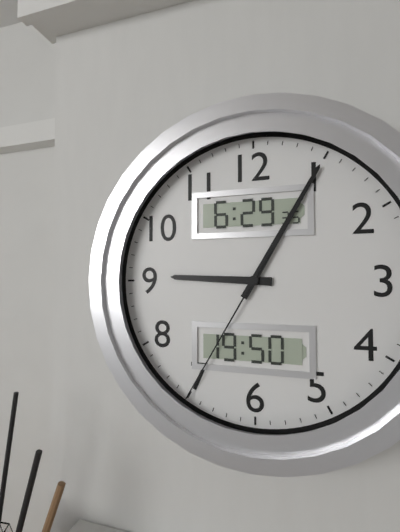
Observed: 9h05m35s
